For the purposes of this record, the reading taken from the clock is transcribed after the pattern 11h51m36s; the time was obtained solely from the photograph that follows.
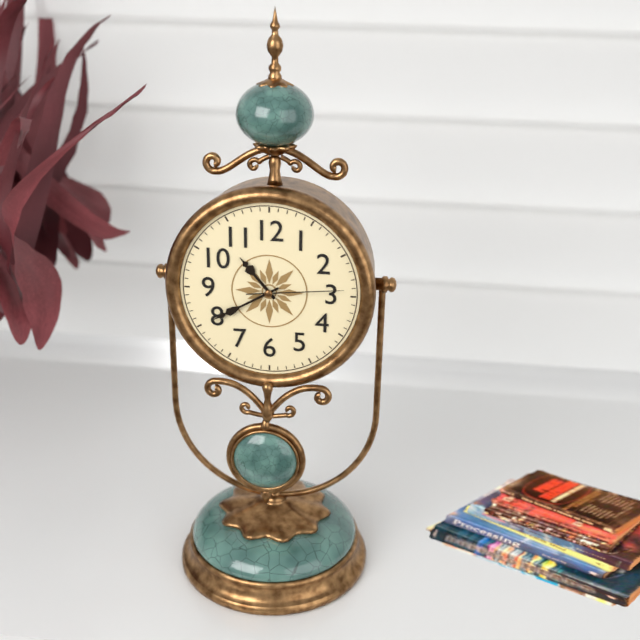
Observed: 10h40m14s
